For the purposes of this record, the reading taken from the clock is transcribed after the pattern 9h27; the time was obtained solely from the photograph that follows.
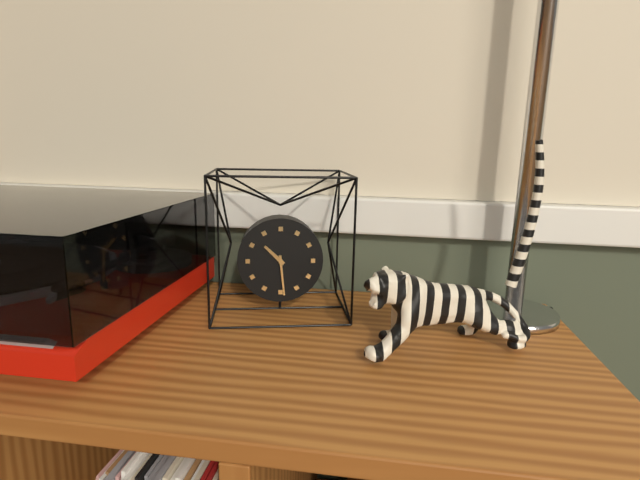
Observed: 10h29
